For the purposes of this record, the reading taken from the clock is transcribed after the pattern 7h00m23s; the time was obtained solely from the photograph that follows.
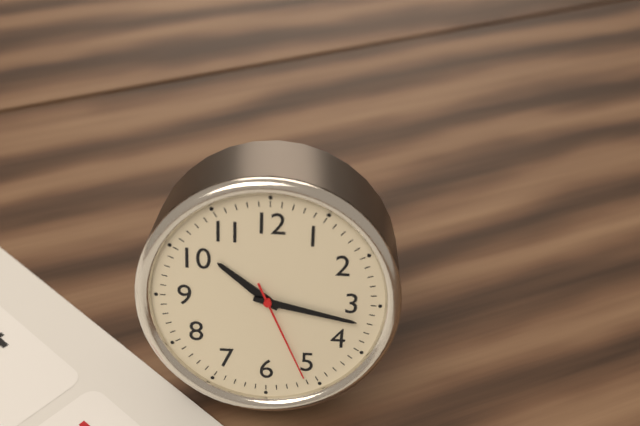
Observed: 10h17m26s
